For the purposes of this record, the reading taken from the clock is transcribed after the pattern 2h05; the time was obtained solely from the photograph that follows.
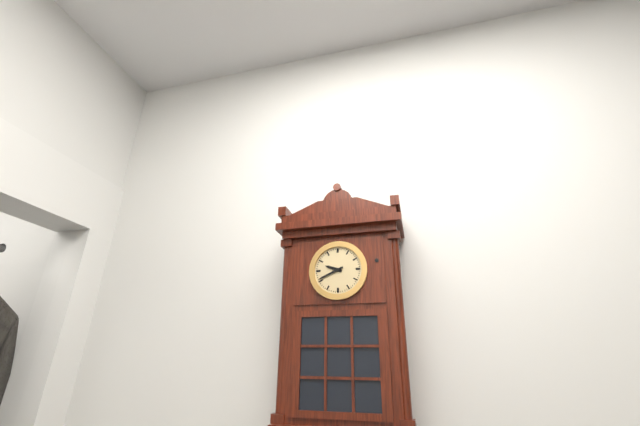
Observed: 9h41
